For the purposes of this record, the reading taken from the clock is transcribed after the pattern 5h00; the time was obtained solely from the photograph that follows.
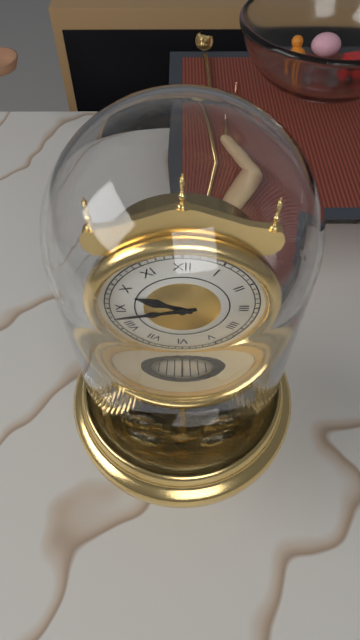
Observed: 9h43
